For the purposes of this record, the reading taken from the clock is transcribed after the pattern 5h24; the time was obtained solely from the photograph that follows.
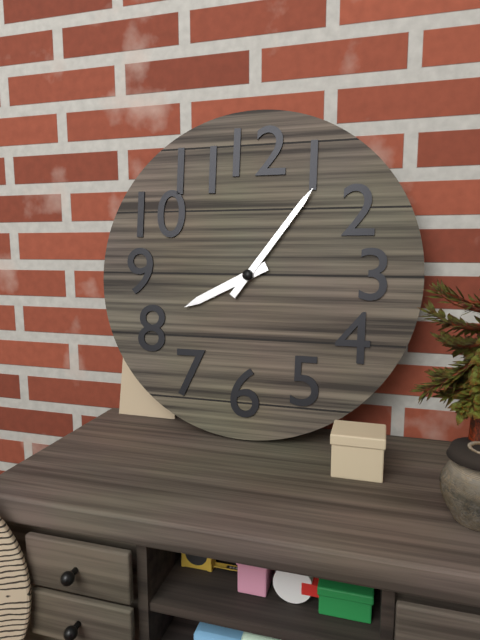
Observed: 8h06
